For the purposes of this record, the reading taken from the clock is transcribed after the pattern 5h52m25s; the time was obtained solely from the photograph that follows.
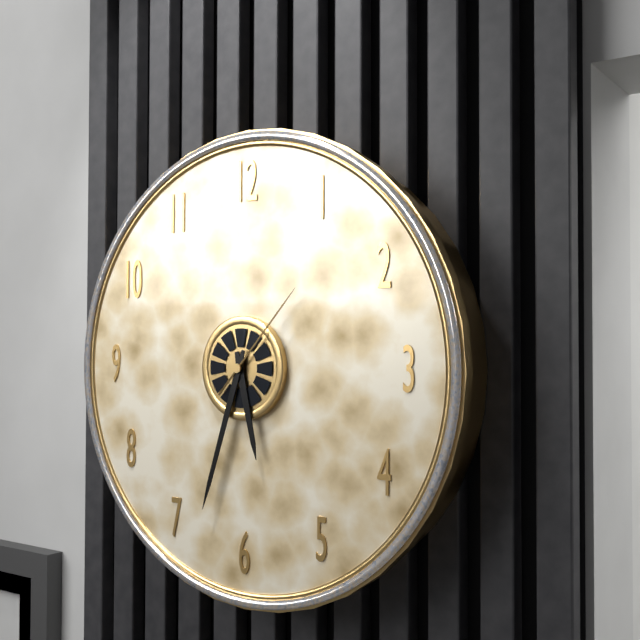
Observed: 5h33m07s
